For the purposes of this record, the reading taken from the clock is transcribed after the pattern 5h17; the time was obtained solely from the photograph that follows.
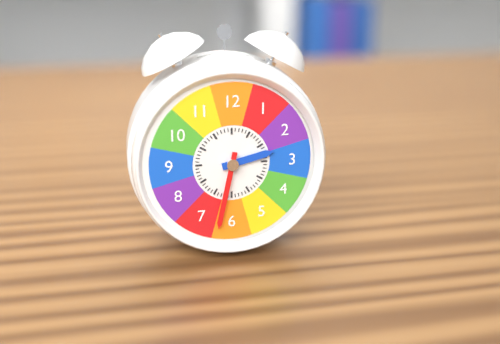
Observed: 2h32
